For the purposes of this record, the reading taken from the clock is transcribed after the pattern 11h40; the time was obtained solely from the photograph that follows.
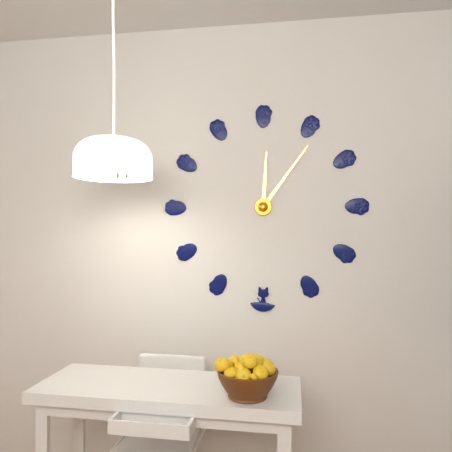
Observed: 12h06
